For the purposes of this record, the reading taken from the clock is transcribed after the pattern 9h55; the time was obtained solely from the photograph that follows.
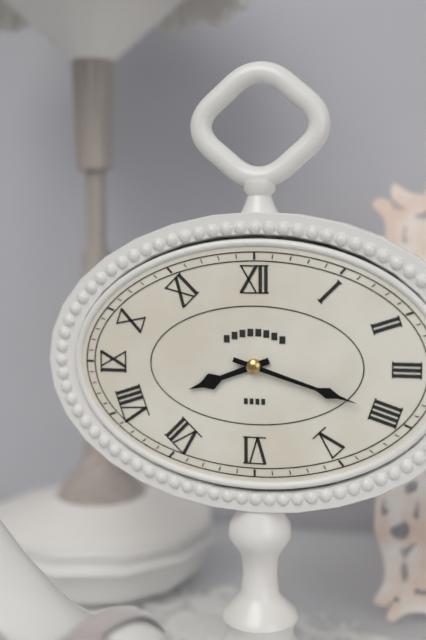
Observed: 8h18
